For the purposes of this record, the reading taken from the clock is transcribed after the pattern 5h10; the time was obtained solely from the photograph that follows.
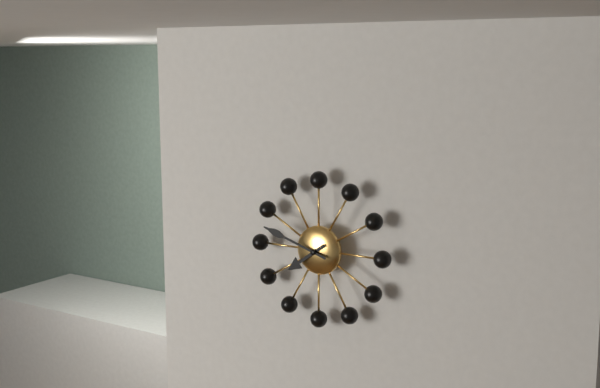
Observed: 7h48
